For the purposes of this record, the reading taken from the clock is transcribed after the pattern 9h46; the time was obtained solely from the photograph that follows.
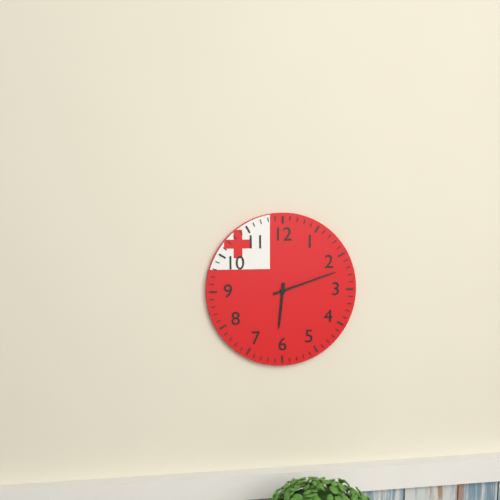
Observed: 6h12
